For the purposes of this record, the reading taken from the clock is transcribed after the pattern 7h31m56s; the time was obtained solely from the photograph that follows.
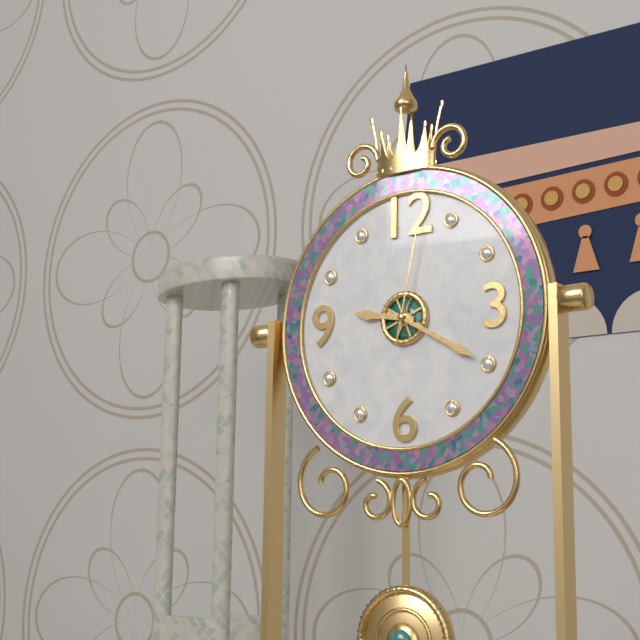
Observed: 9h20m02s
